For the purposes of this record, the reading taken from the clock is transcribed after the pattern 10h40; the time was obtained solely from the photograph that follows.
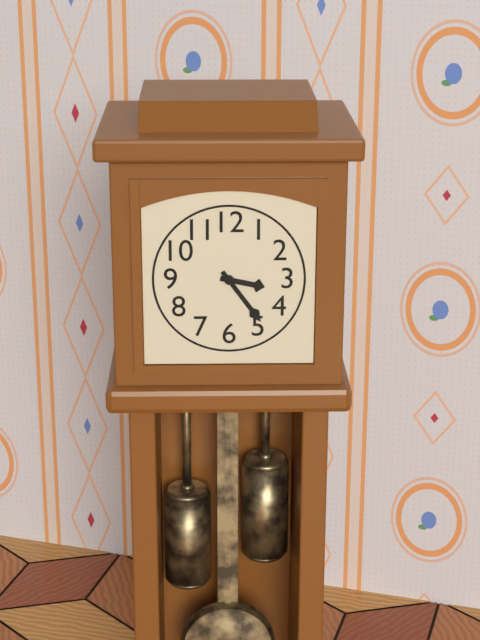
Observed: 3h24
